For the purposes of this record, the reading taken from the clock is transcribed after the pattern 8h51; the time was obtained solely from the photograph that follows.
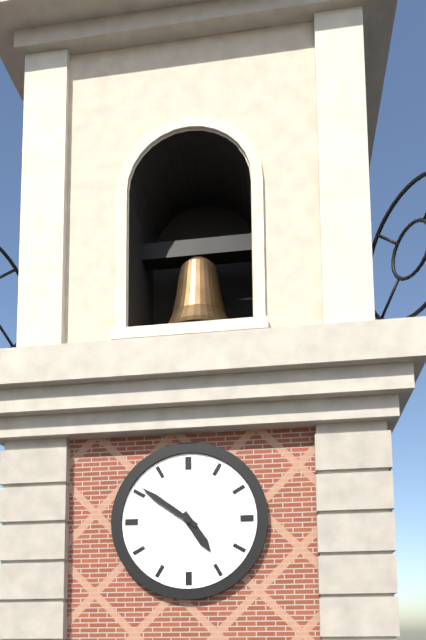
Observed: 4h51
